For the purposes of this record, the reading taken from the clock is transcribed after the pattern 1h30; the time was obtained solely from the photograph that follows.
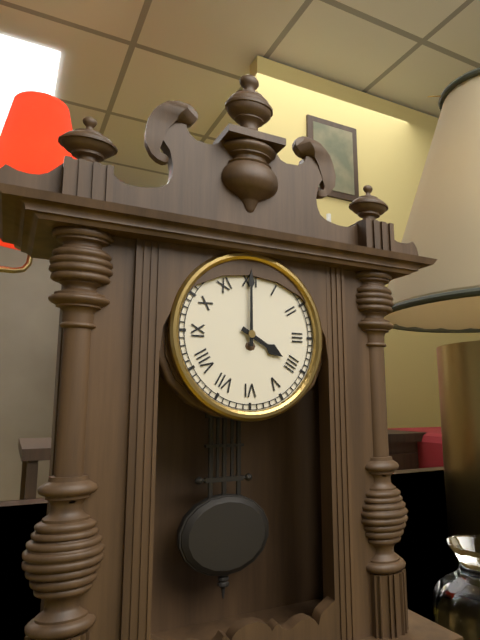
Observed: 4h00
